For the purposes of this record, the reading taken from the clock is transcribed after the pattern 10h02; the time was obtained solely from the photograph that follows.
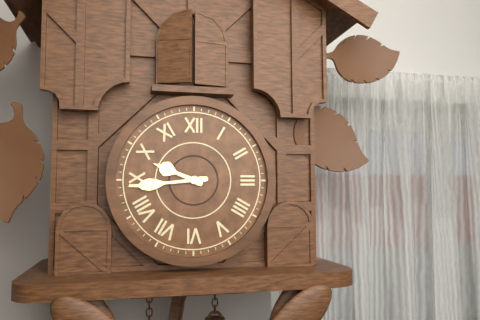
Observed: 9h44
